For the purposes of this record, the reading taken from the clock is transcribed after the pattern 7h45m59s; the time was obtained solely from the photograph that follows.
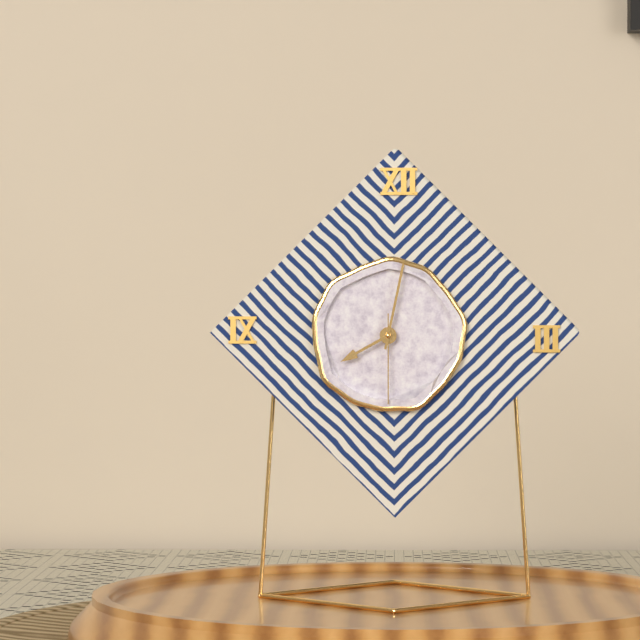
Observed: 8h02m30s
